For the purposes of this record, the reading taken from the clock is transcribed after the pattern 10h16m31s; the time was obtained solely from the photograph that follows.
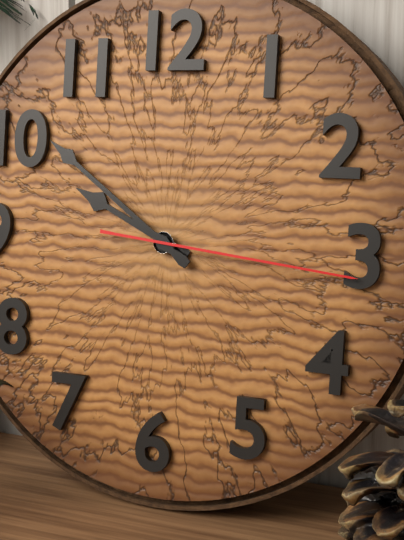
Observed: 9h51m16s
